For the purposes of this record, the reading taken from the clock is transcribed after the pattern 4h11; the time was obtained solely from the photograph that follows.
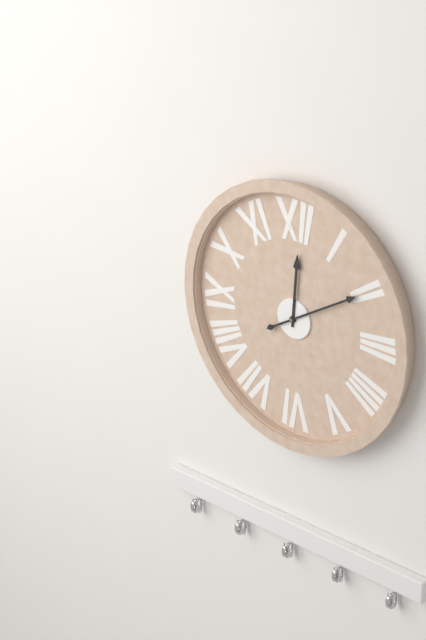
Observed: 12h10
